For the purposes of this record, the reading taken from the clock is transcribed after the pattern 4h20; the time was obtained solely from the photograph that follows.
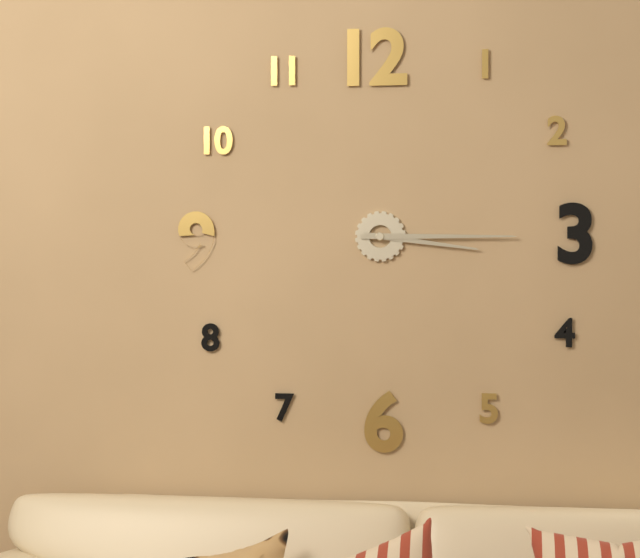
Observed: 3h15
